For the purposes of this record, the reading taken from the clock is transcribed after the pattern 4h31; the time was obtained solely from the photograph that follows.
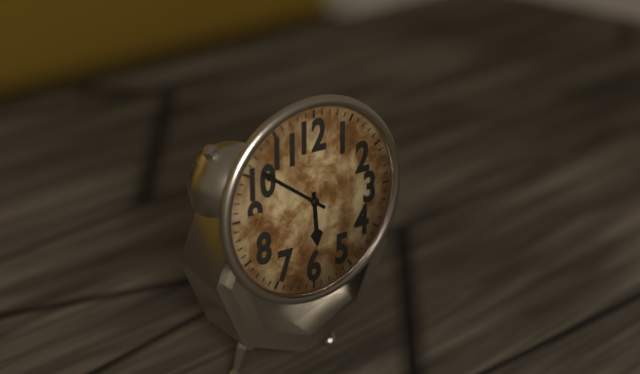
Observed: 5h51
